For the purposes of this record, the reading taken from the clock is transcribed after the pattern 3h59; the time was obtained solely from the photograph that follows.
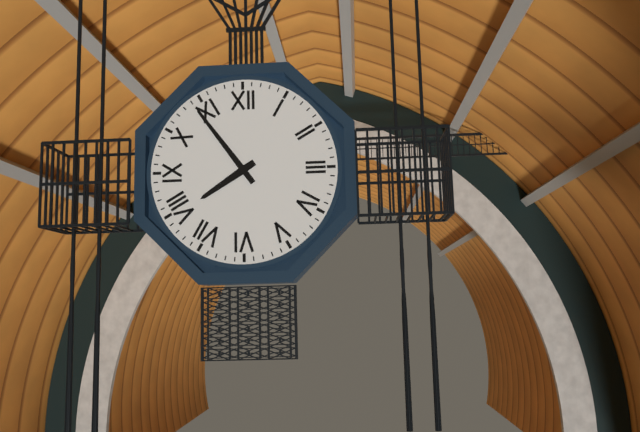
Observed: 7h54
